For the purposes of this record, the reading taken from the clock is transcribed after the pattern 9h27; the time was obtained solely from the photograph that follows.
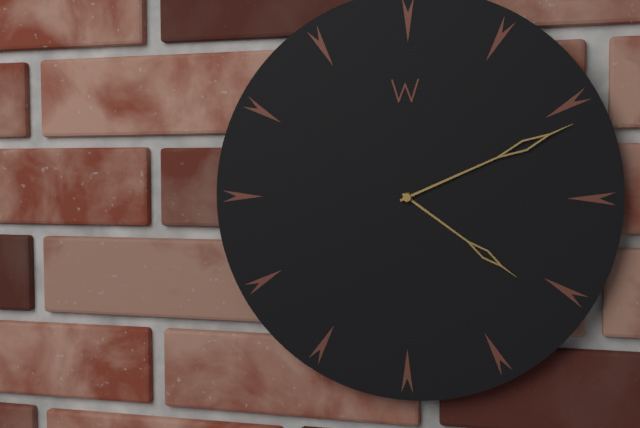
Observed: 4h11
